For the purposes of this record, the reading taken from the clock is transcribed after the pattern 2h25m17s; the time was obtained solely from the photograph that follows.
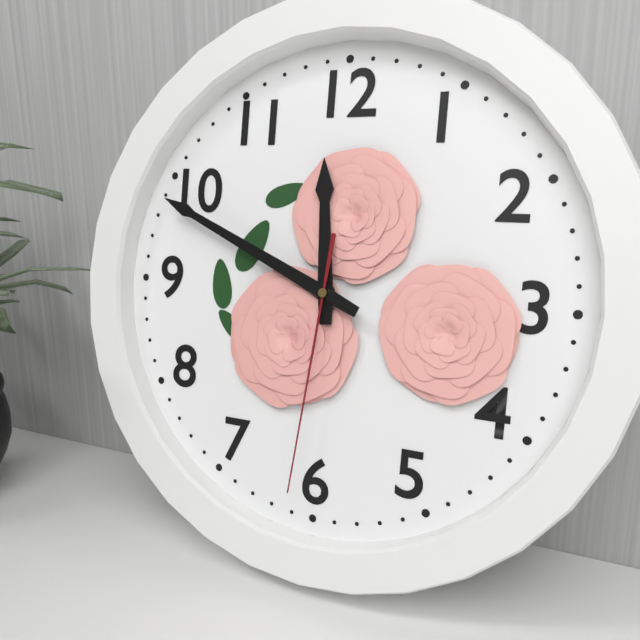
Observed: 11h49m31s
